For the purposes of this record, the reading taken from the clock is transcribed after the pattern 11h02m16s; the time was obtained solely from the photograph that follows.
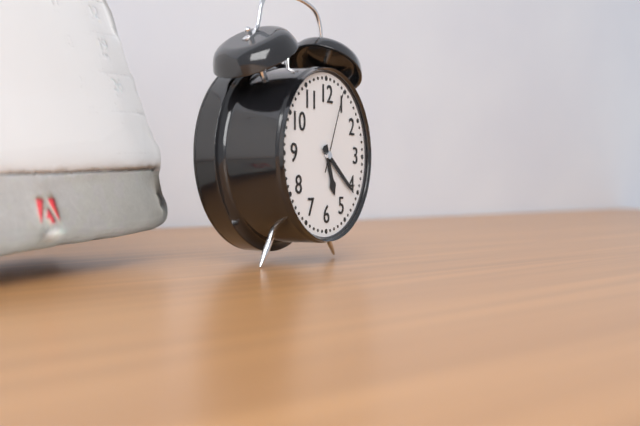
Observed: 5h21m04s
